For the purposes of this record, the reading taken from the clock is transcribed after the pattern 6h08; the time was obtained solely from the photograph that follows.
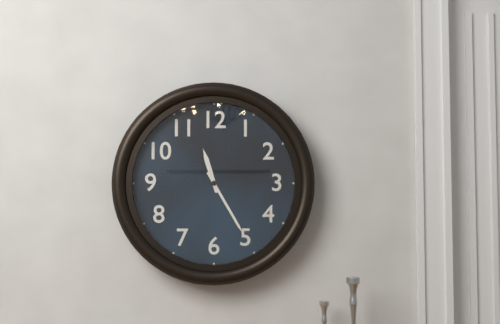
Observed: 11h25
